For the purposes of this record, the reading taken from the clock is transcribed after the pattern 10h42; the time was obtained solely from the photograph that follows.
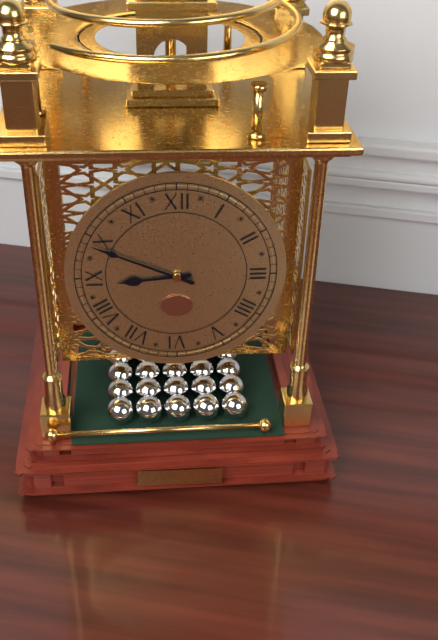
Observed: 8h49
